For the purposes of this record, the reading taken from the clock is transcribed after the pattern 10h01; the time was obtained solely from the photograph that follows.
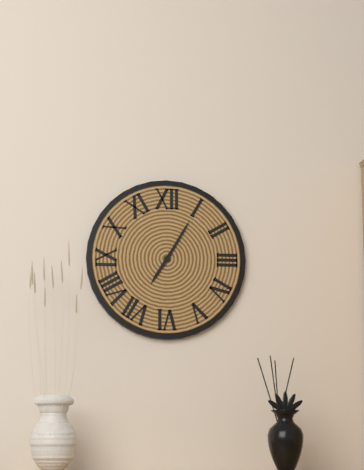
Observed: 7h05
